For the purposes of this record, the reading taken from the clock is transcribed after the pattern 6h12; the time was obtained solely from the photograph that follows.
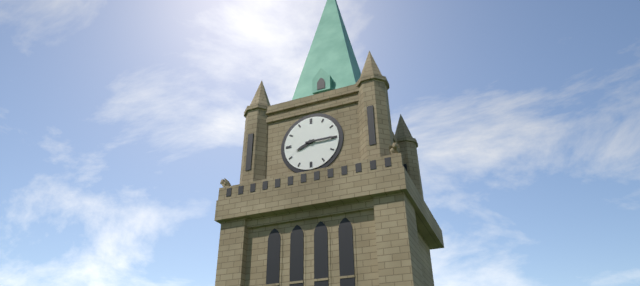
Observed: 8h15
